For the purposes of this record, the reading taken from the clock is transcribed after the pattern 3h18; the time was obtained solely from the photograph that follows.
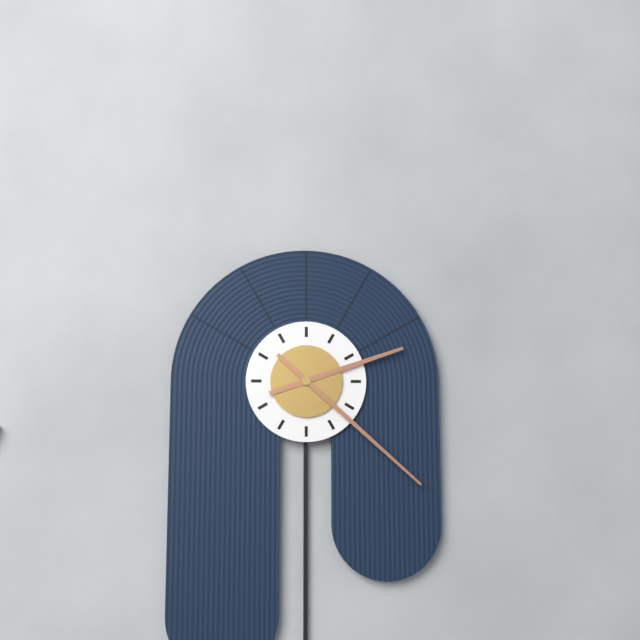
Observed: 2h22
